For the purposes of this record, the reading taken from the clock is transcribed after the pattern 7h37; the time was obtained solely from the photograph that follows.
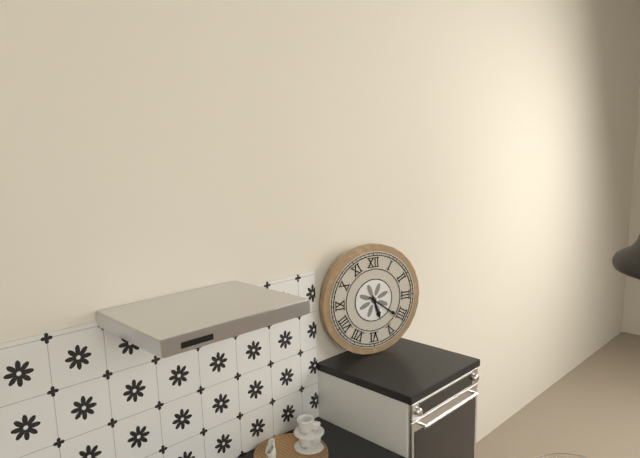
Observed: 5h21
